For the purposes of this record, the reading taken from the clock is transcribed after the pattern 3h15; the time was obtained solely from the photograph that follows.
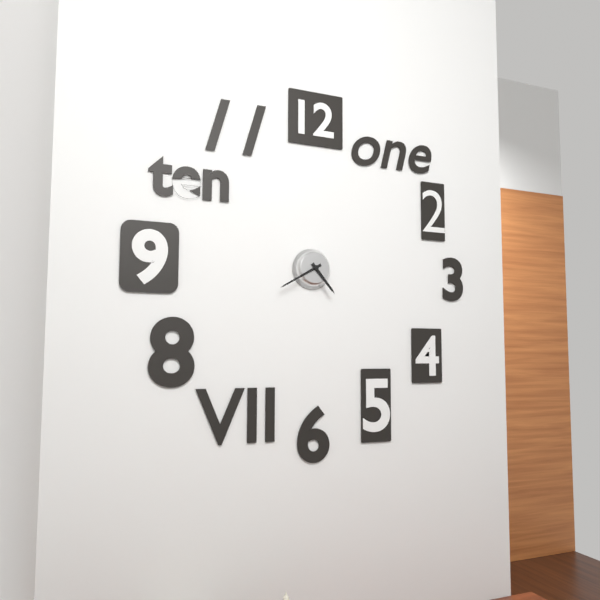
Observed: 4h40
